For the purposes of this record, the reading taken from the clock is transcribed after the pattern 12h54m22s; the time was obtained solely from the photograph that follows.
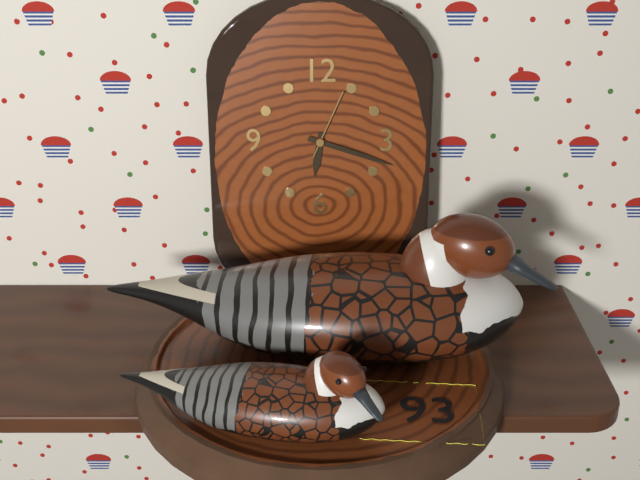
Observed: 6h18m04s
